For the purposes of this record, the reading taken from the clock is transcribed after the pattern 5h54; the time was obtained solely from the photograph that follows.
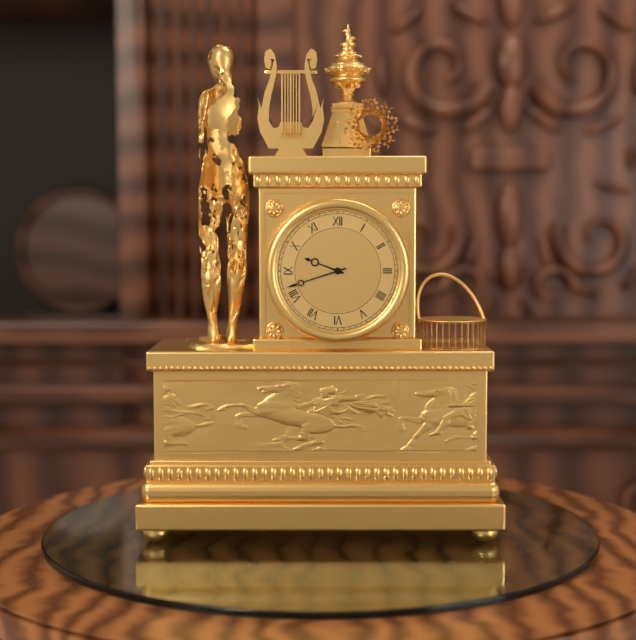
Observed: 9h42
